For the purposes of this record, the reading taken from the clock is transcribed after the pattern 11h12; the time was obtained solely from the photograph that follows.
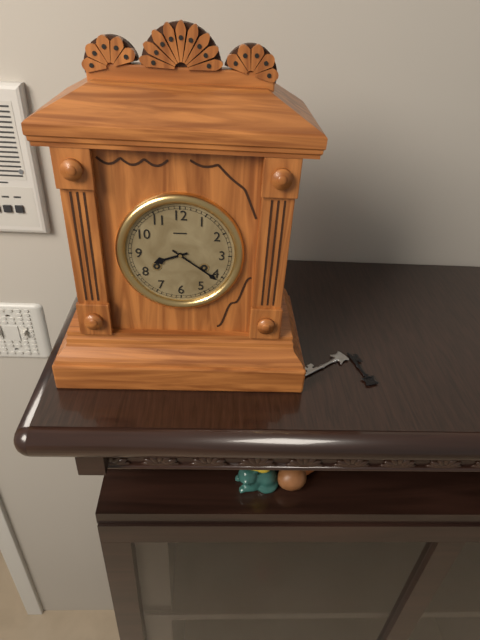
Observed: 8h21
